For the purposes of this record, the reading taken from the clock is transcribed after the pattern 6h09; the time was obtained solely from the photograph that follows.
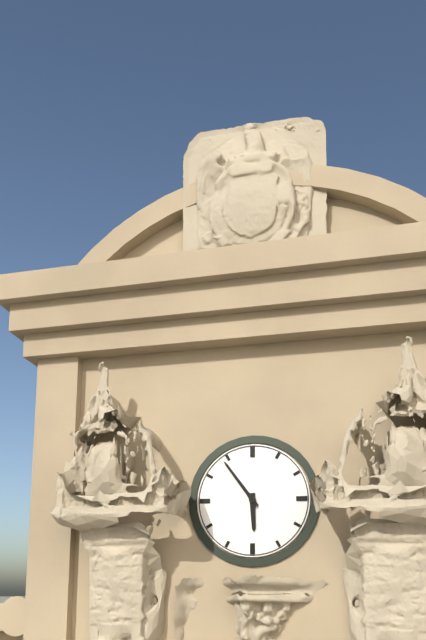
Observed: 5h54
